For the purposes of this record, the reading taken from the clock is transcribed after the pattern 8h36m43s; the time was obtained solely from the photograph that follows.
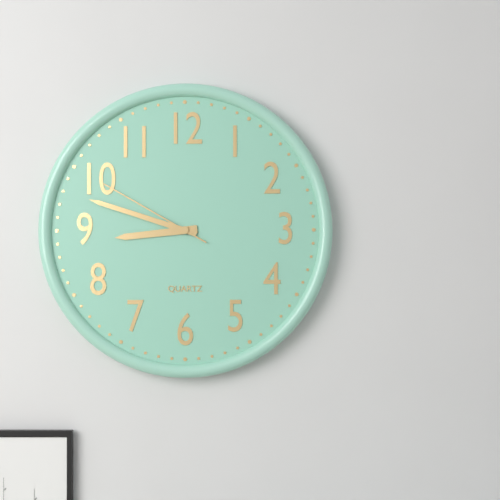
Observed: 8h48m50s
